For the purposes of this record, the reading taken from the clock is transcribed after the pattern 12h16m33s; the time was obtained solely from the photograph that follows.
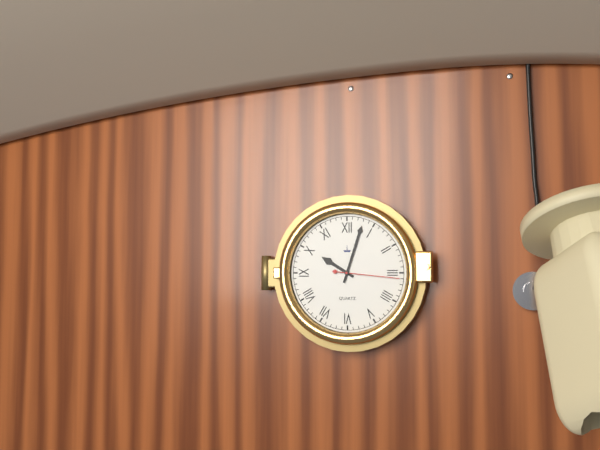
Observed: 10h03m16s
